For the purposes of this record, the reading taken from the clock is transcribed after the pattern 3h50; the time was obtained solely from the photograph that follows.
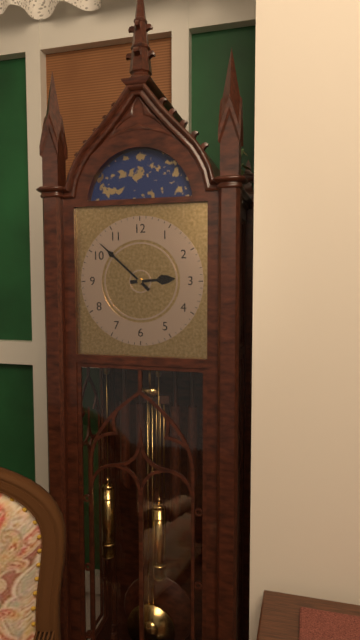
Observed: 2h52
